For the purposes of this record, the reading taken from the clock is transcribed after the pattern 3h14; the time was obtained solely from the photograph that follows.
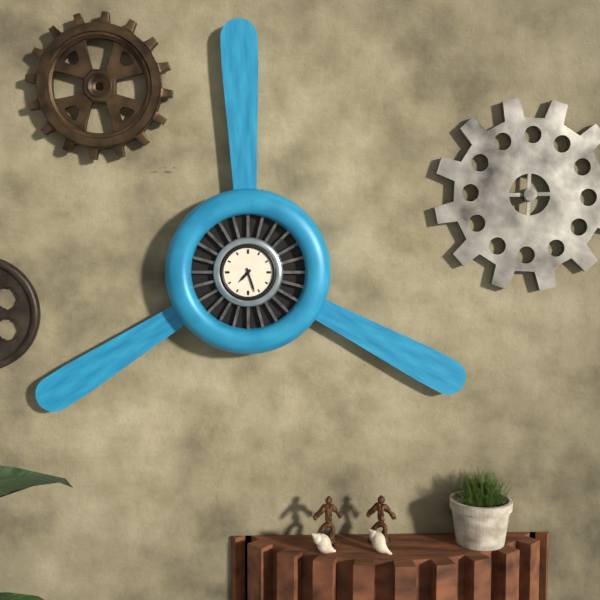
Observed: 7h27
